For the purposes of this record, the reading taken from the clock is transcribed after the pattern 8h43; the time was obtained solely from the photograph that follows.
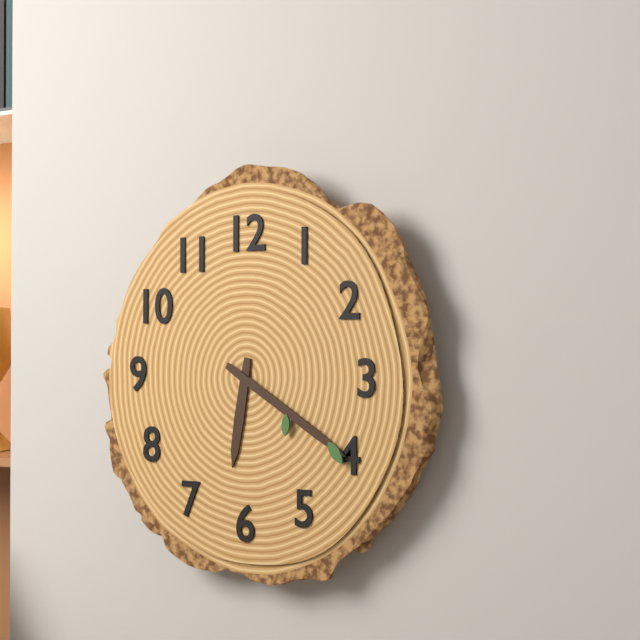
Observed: 6h20
